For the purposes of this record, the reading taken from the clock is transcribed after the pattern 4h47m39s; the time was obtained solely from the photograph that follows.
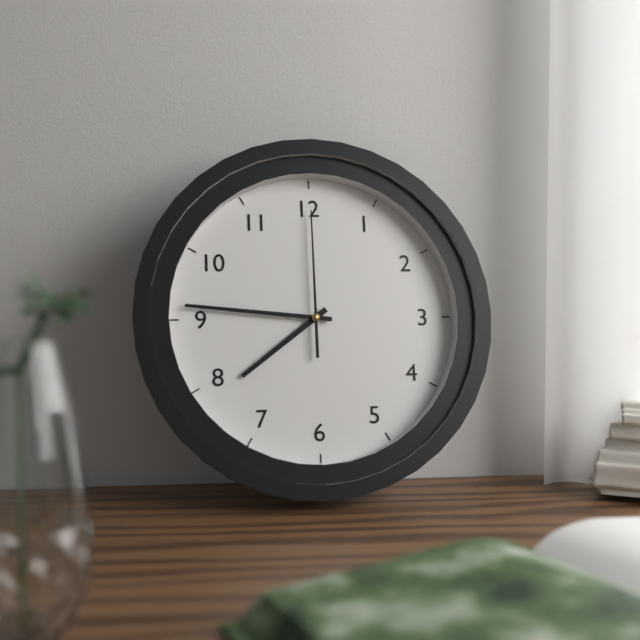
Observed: 7h46m00s
